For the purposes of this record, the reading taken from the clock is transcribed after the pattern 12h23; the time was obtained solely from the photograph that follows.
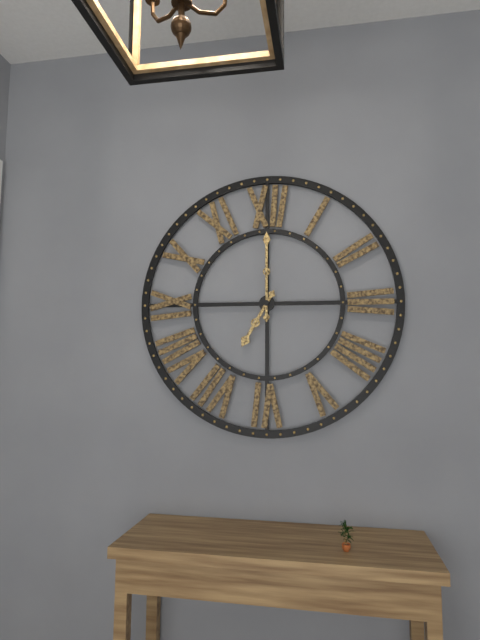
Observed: 7h00
